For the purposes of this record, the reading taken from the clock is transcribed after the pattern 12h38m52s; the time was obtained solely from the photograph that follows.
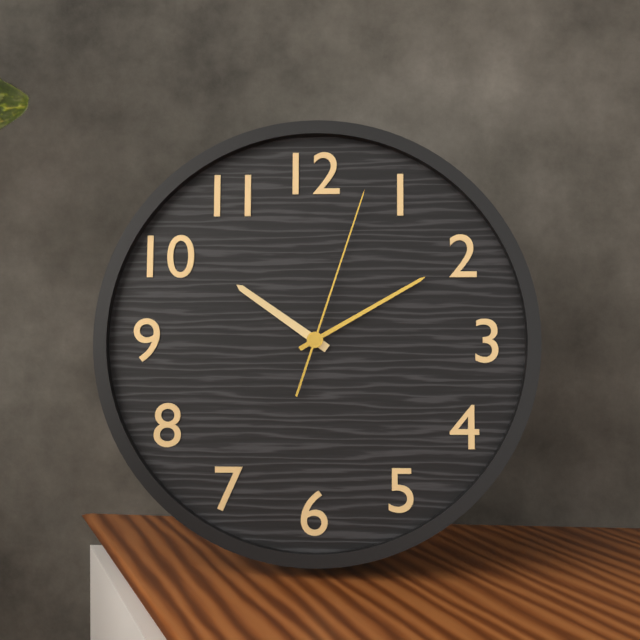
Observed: 10h10m03s
